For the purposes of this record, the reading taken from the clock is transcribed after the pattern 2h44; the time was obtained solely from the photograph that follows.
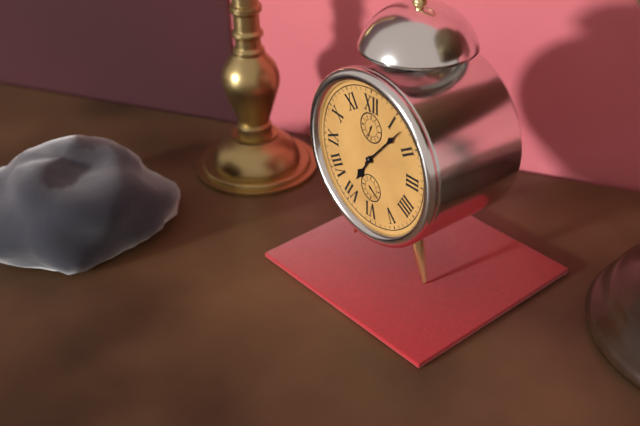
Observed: 7h07
